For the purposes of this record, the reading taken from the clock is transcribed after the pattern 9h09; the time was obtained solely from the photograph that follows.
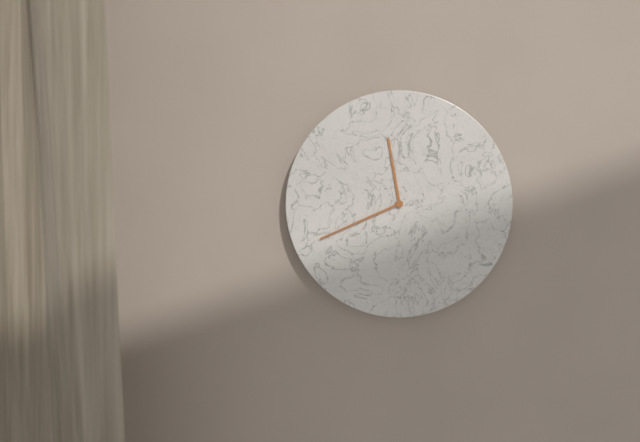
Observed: 11h41
